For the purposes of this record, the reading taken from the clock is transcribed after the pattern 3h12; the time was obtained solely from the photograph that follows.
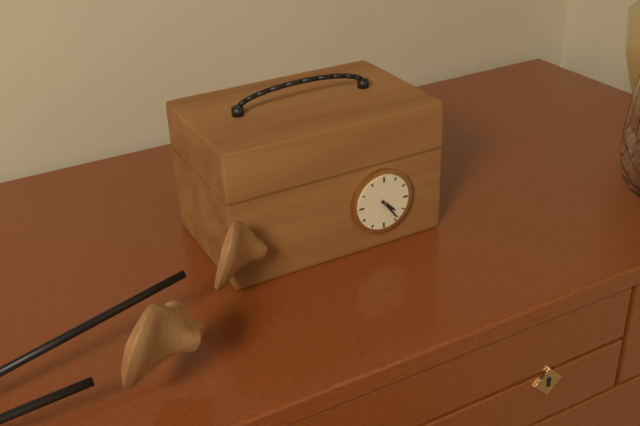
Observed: 4h24
